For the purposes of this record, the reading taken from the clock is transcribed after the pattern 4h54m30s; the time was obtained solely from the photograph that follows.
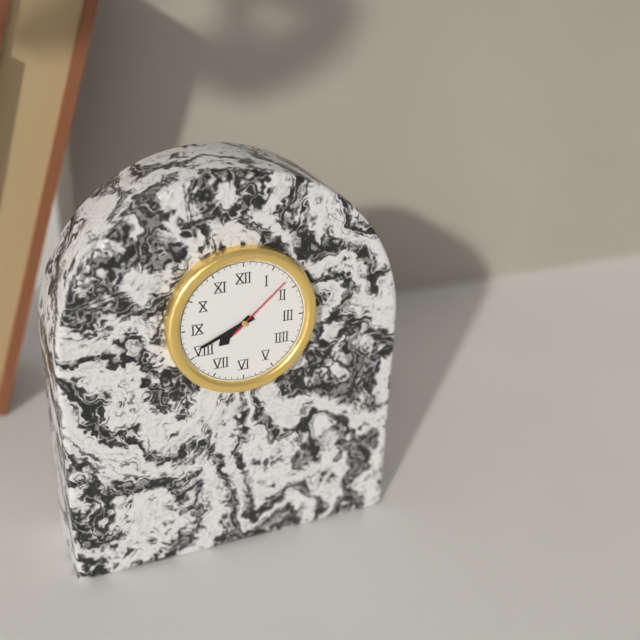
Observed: 7h41m08s
